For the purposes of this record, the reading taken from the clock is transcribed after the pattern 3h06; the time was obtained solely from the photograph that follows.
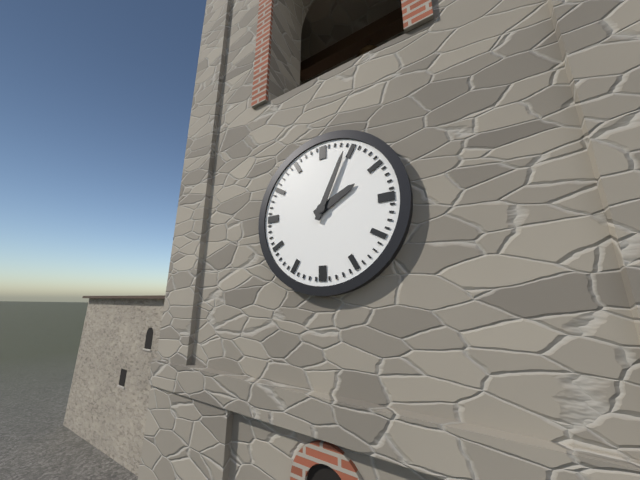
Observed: 2h04
